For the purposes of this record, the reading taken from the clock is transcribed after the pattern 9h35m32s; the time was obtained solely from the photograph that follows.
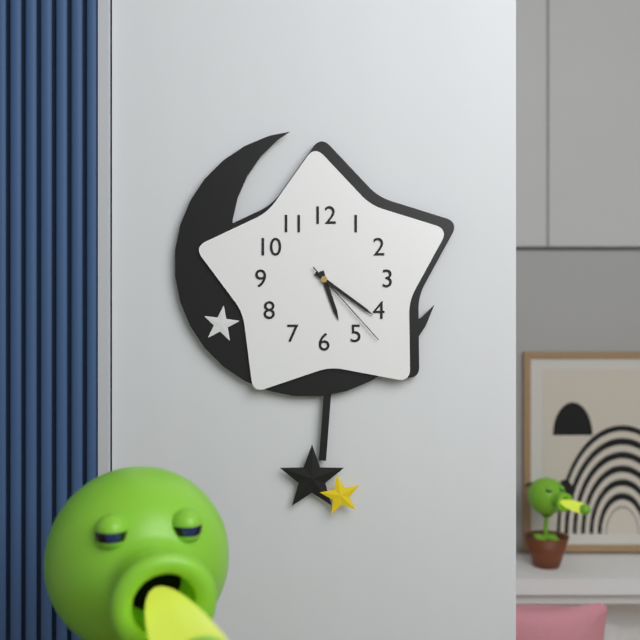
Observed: 5h21m23s
